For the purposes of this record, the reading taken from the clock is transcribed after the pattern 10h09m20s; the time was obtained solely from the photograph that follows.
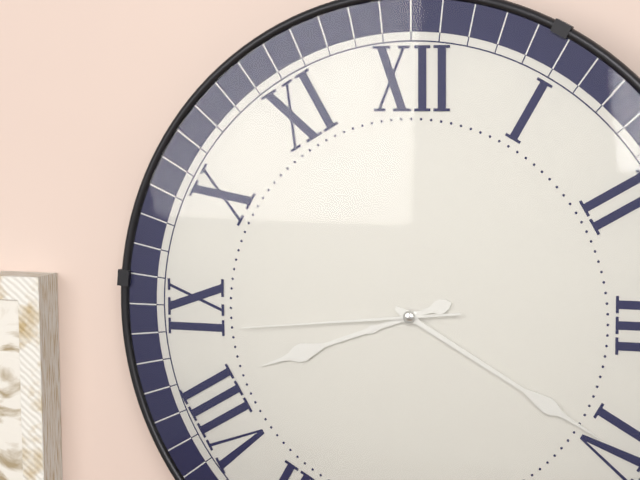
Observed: 8h20m44s
